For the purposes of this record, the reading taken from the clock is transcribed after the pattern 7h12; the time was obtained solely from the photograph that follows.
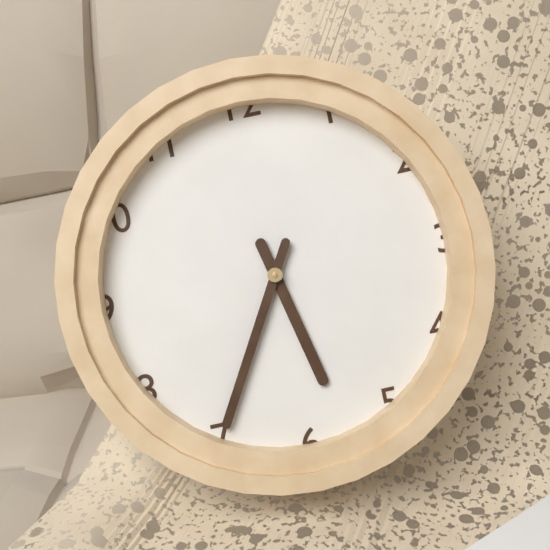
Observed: 5h35
